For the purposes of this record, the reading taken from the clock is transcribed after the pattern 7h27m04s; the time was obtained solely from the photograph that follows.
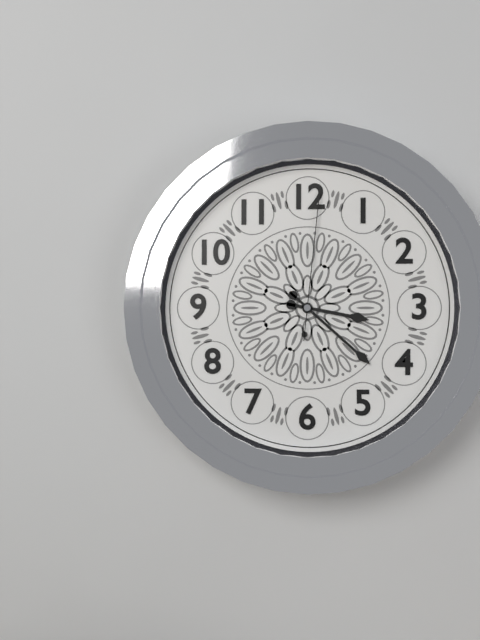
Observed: 3h22m01s
